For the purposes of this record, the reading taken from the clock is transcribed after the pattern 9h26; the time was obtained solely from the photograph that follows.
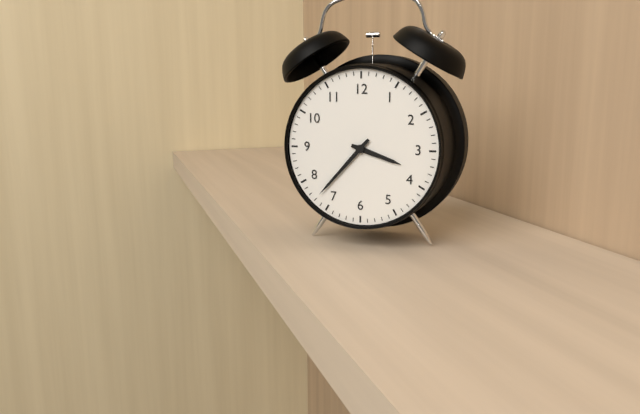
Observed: 3h37
